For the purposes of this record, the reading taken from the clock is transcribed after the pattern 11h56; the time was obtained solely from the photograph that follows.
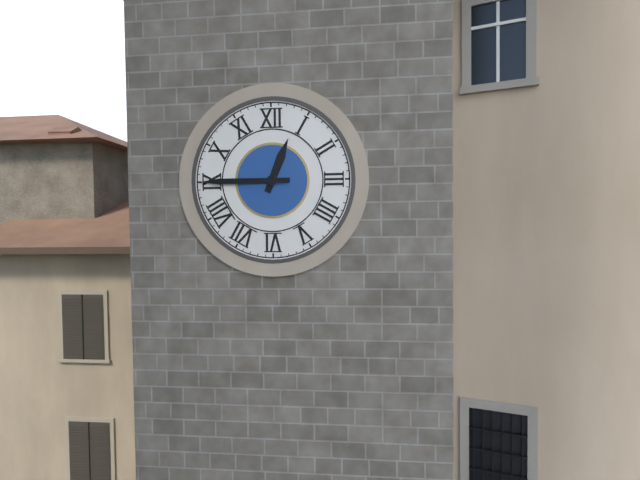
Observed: 12h45
